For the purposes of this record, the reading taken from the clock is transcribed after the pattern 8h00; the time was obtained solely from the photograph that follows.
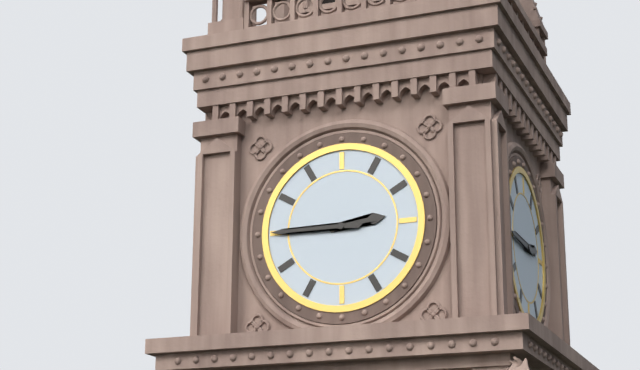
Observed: 2h45
